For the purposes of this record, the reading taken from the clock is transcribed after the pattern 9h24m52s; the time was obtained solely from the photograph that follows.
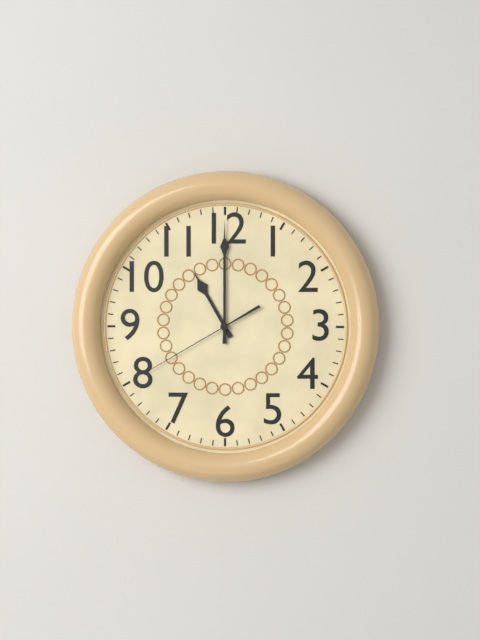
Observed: 11h00m40s
